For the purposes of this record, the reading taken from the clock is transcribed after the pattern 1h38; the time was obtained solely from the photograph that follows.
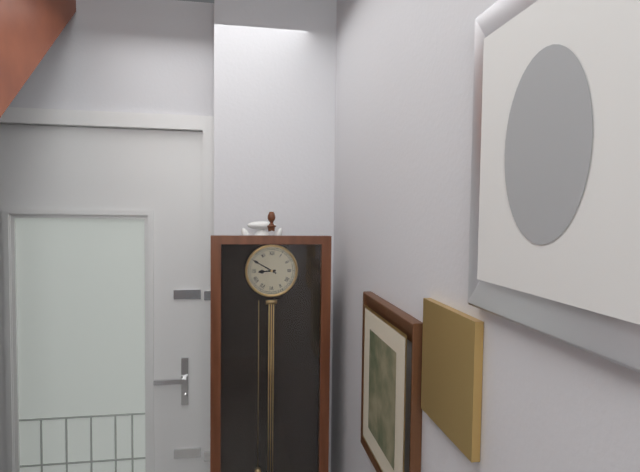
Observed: 8h50
